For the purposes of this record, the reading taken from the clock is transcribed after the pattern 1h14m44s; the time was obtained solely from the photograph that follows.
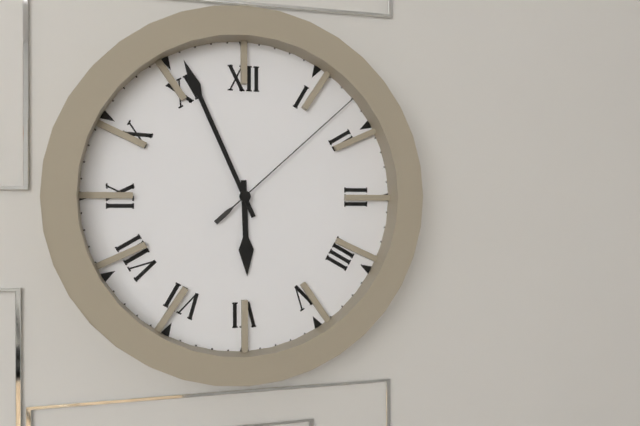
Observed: 5h56m08s
